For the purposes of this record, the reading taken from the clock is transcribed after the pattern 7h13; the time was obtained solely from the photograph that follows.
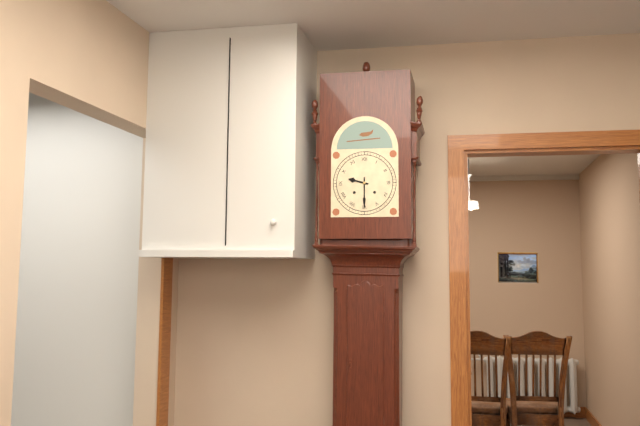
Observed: 9h30
